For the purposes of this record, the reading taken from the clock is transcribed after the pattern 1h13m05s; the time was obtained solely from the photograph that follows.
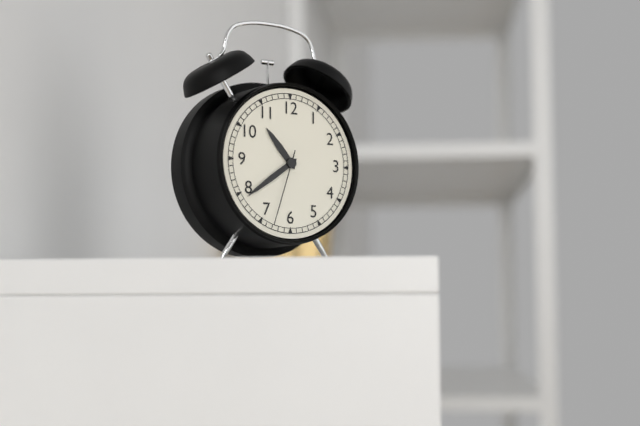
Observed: 10h39m33s
